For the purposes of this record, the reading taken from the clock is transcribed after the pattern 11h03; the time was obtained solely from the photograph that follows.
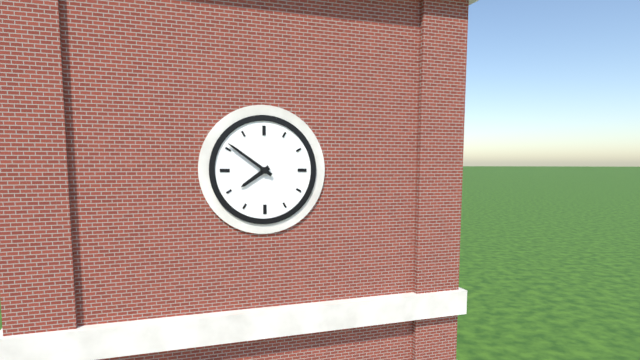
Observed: 7h51
